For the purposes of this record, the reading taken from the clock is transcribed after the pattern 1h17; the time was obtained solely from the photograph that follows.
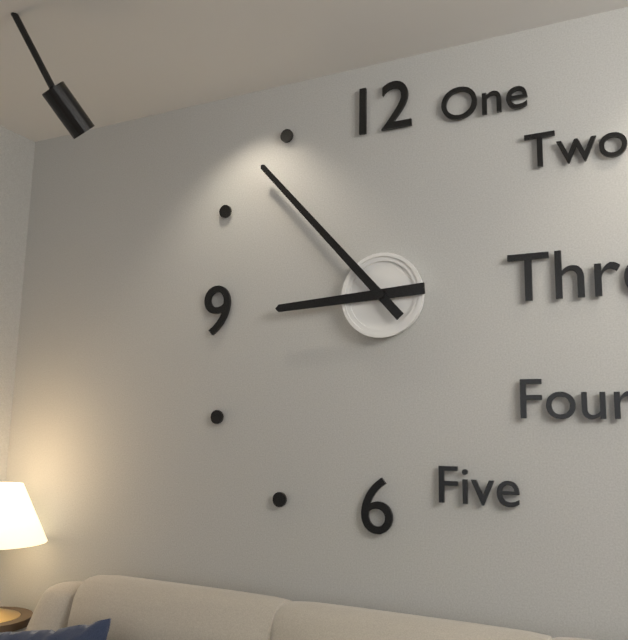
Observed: 8h53
